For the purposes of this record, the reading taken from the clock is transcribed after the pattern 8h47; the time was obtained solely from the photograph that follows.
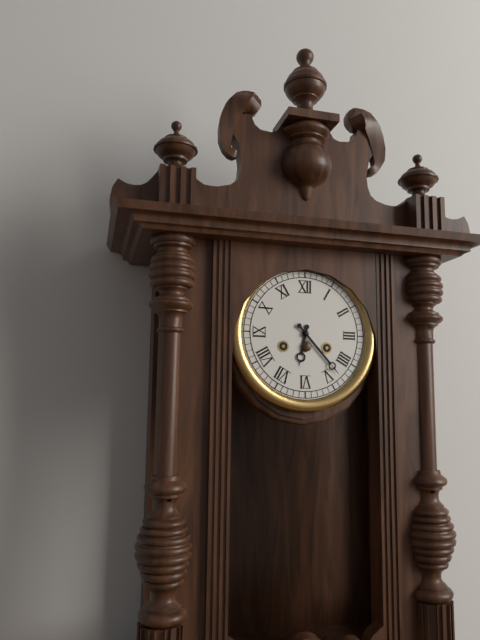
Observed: 6h23
